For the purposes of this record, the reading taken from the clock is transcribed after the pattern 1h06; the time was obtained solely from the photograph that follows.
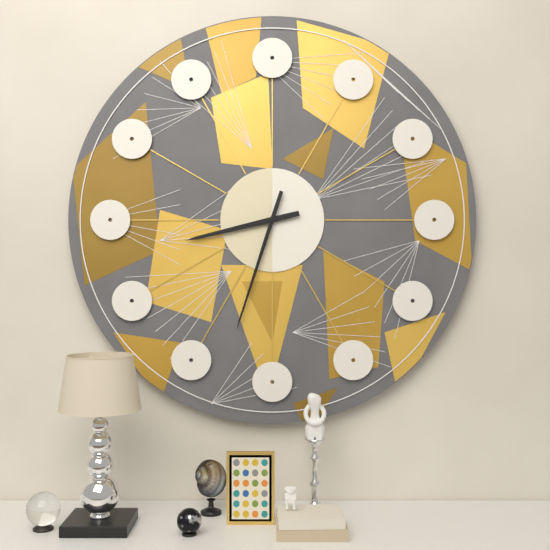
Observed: 8h33
